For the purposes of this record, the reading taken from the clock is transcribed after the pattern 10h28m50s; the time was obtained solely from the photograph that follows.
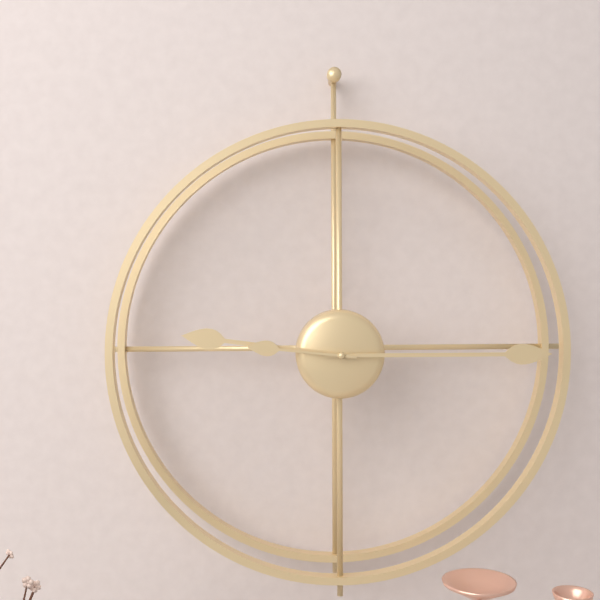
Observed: 9h15m46s
